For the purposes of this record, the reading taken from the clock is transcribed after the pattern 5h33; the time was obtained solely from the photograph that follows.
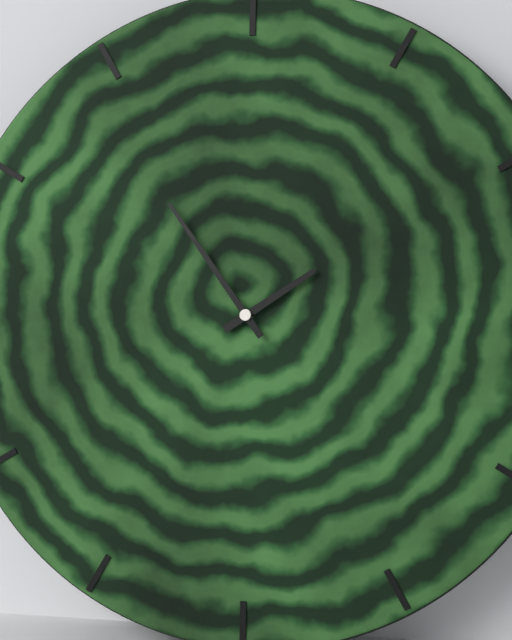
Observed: 1h54
